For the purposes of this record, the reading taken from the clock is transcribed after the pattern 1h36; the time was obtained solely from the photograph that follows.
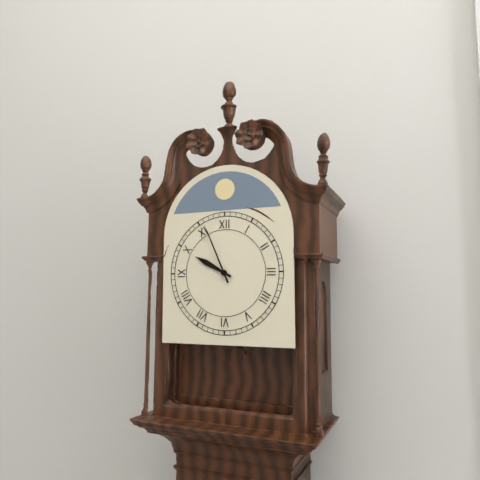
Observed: 9h56
